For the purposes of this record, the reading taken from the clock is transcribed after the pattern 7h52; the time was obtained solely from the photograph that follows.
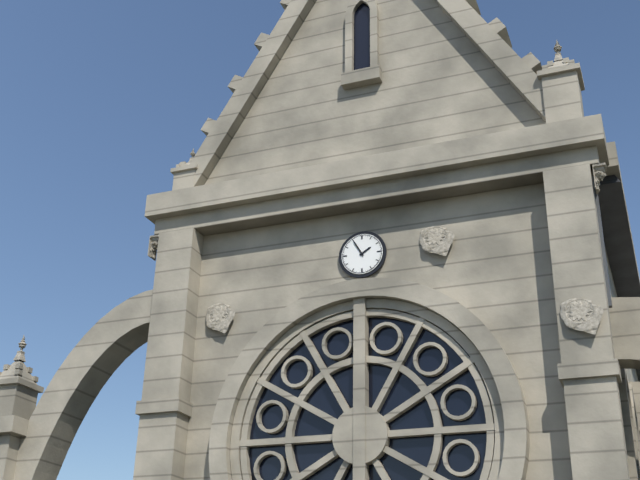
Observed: 1h55
